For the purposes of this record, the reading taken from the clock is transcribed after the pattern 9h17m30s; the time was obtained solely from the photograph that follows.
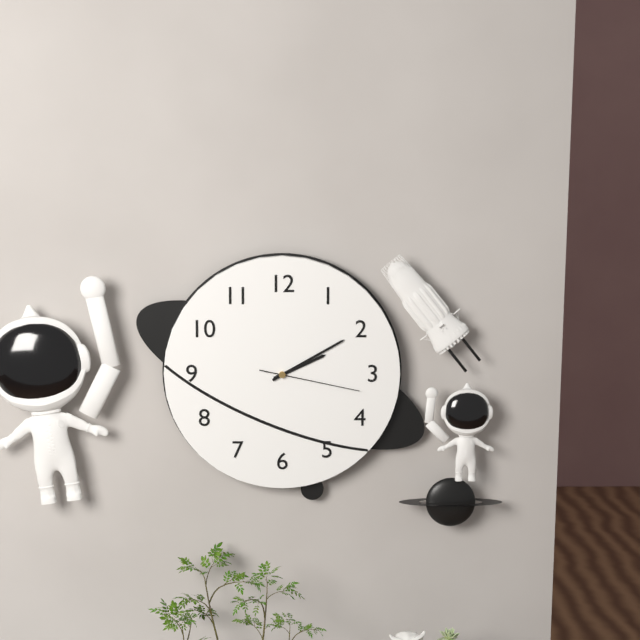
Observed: 2h10m17s
